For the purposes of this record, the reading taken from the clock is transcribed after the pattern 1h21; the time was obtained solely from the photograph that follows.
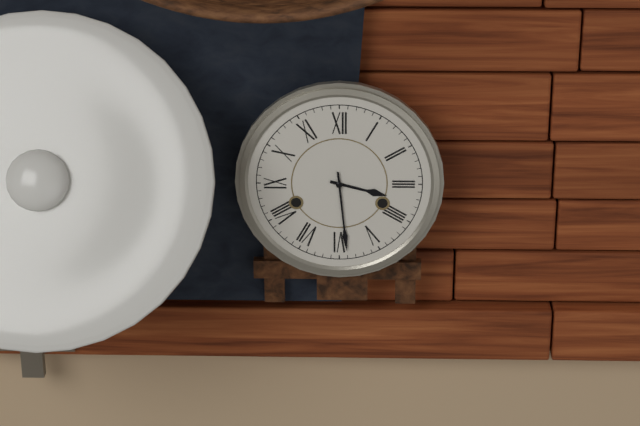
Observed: 3h29
